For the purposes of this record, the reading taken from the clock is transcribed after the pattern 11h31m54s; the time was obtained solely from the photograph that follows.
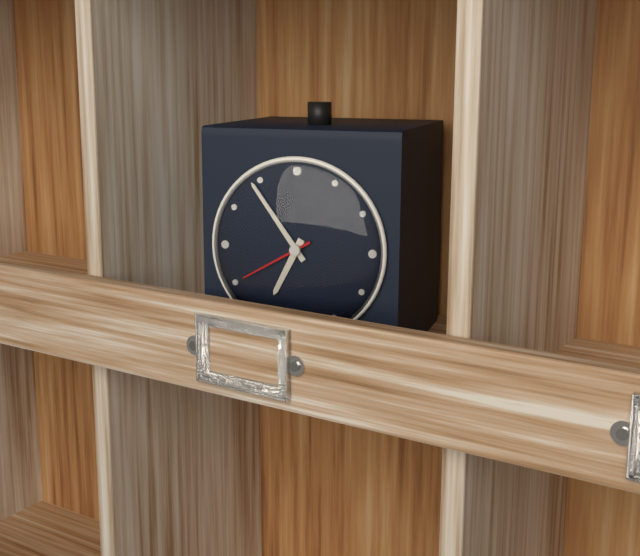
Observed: 6h54m40s
